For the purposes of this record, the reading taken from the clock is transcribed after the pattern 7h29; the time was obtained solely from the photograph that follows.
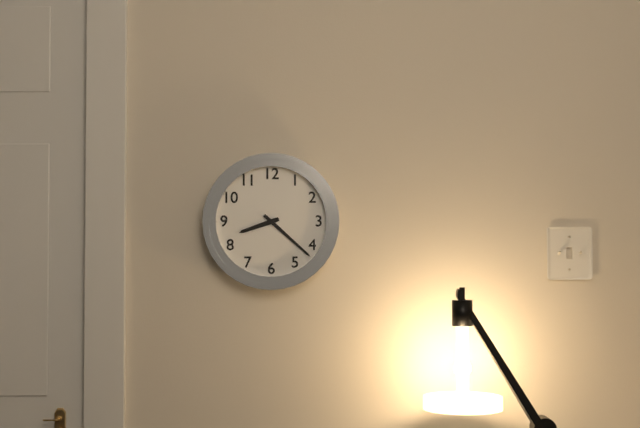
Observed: 8h22
